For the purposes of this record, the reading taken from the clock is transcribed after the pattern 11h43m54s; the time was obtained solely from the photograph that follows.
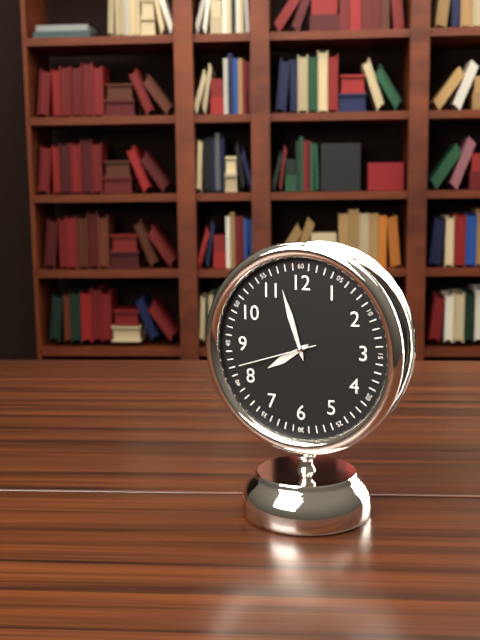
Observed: 7h57m42s
